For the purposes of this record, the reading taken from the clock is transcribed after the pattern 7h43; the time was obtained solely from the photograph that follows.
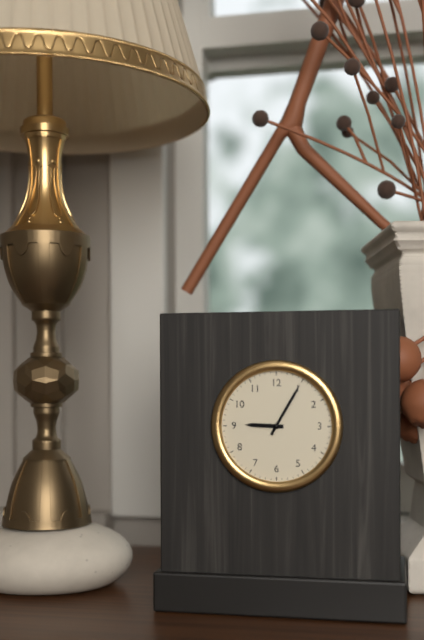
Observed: 9h05
